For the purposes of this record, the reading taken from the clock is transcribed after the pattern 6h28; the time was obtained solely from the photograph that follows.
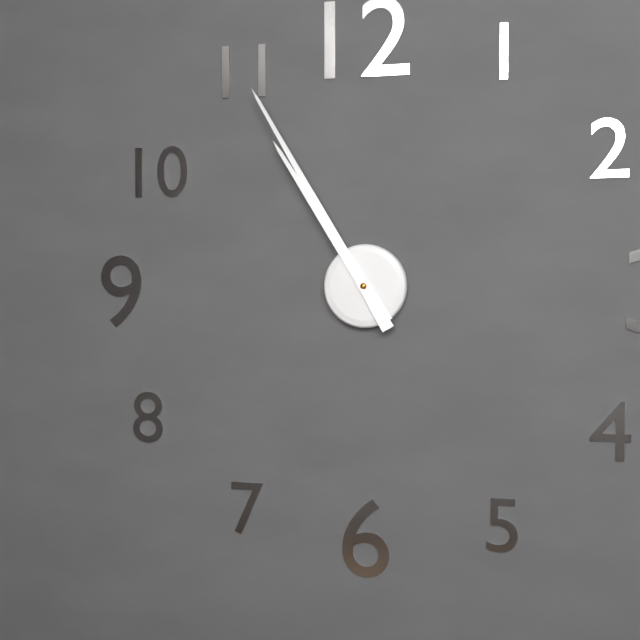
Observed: 10h55
